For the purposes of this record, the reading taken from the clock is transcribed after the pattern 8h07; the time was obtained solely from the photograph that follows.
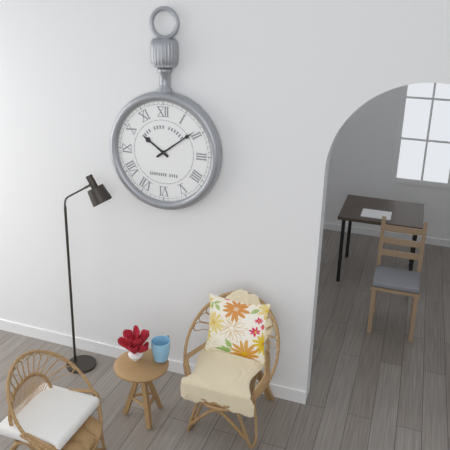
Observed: 10h09
